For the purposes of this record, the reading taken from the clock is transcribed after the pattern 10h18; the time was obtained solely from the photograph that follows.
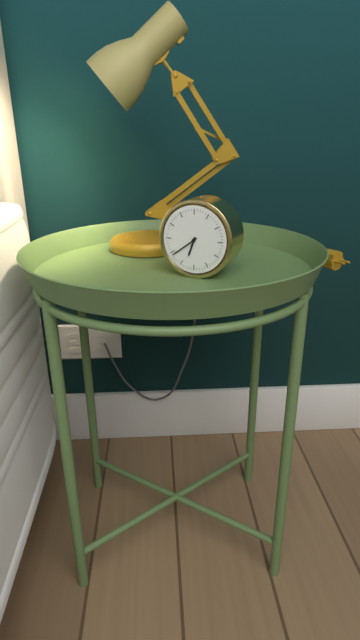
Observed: 6h39
